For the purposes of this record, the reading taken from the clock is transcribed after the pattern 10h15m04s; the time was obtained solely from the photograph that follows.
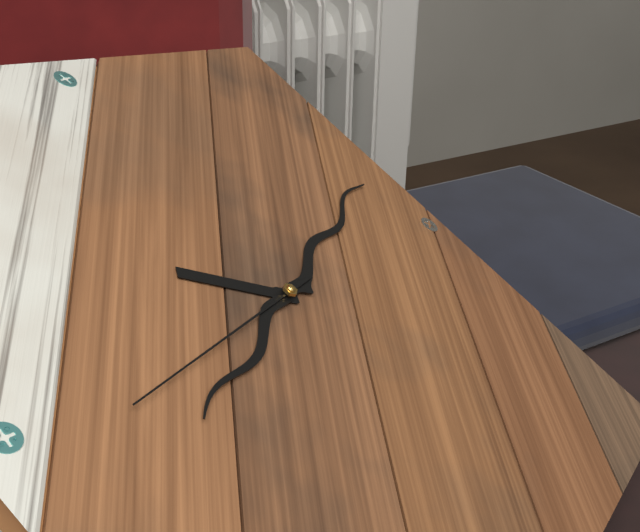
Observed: 10h12m44s
